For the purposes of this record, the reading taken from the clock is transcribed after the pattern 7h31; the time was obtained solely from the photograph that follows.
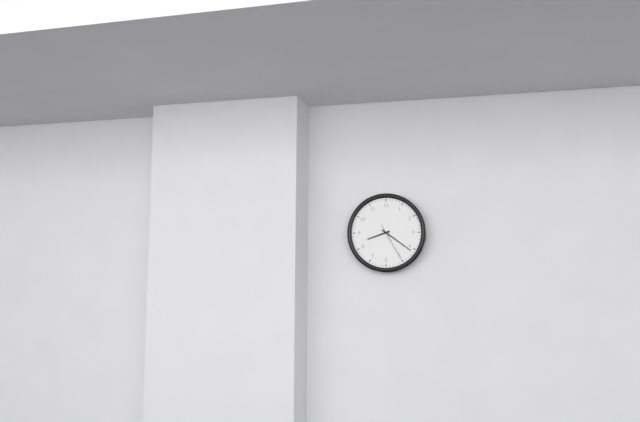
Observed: 8h21
